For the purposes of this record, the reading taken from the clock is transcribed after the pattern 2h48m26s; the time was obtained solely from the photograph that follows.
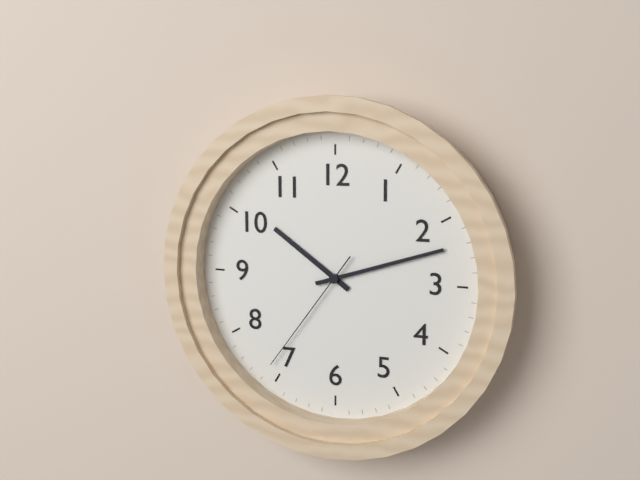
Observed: 10h12m36s
